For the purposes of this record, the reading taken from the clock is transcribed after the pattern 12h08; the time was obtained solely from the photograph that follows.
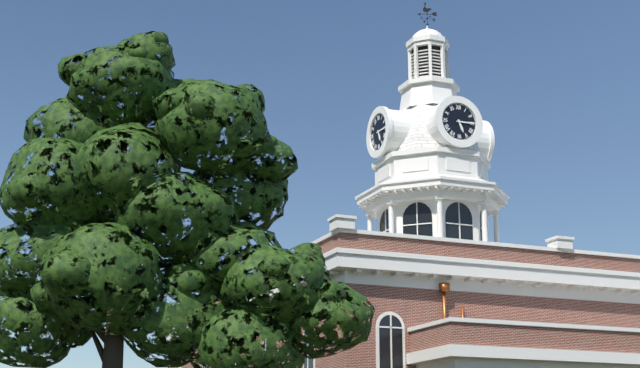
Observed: 5h15
